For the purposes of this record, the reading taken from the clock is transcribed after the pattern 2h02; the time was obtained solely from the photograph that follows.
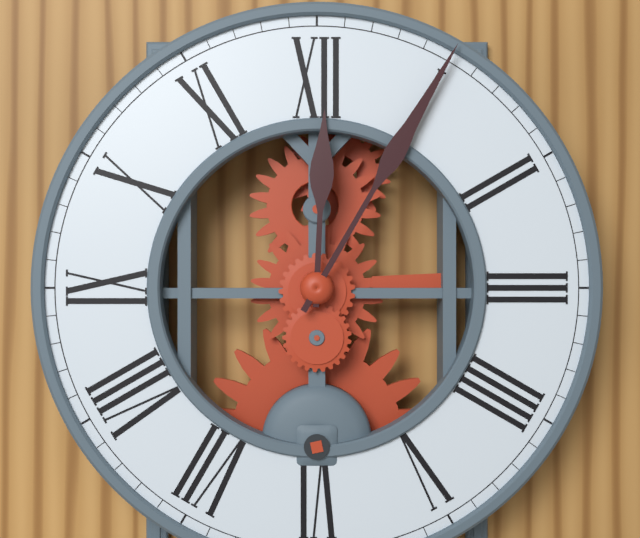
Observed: 12h05
